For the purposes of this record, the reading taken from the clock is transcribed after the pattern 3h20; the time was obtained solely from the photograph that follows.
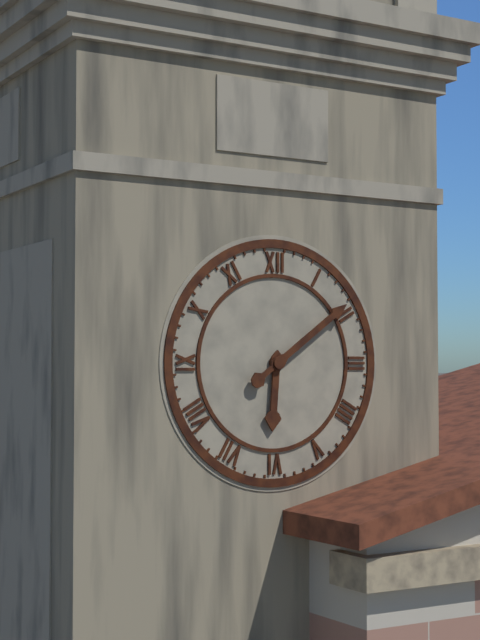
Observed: 6h09
